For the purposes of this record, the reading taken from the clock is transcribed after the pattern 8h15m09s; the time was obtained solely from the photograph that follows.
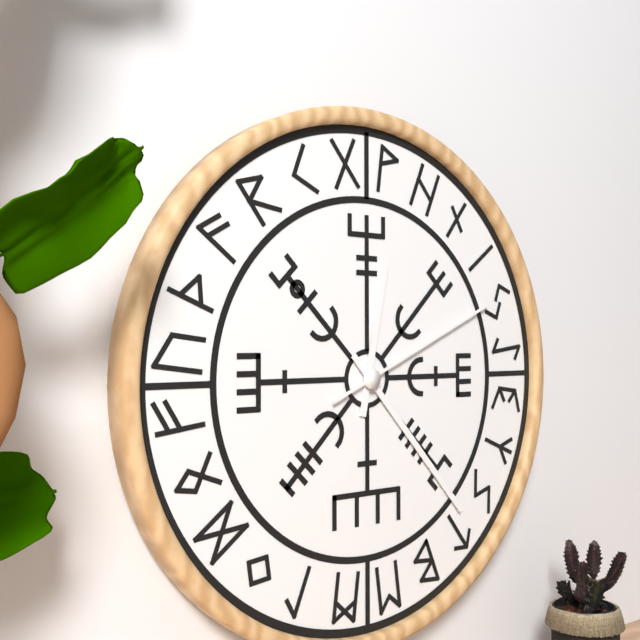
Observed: 12h23m11s
